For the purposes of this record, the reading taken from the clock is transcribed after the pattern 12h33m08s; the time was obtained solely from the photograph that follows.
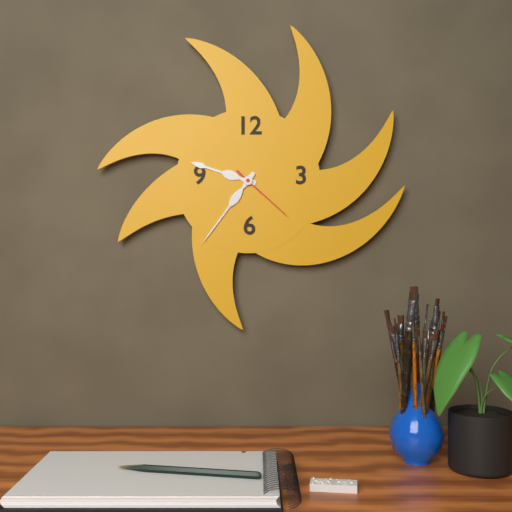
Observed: 9h36m22s
